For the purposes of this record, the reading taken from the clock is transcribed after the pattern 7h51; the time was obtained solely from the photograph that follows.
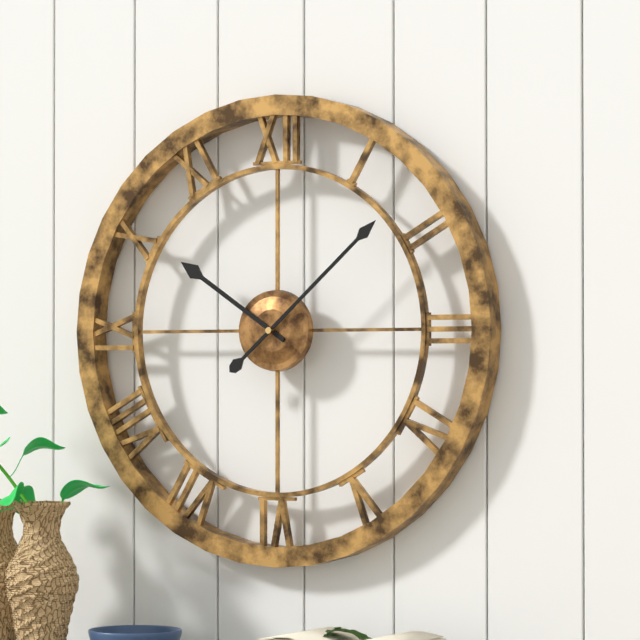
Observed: 10h08
